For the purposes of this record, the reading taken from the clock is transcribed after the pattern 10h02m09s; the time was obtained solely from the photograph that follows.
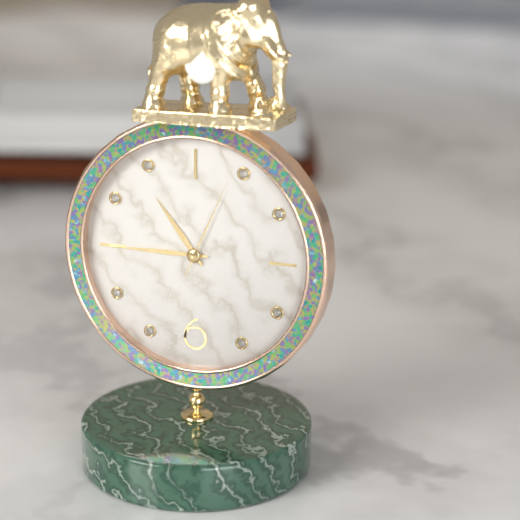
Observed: 10h45m04s
